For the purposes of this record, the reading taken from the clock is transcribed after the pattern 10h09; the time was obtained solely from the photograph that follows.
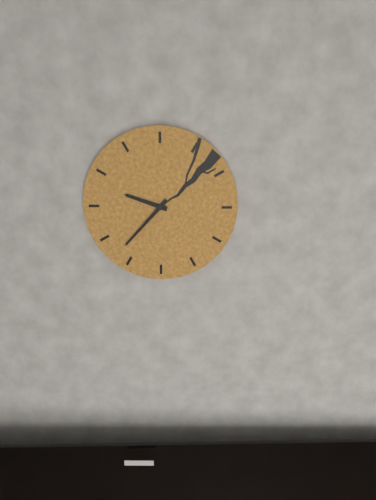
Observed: 9h37
